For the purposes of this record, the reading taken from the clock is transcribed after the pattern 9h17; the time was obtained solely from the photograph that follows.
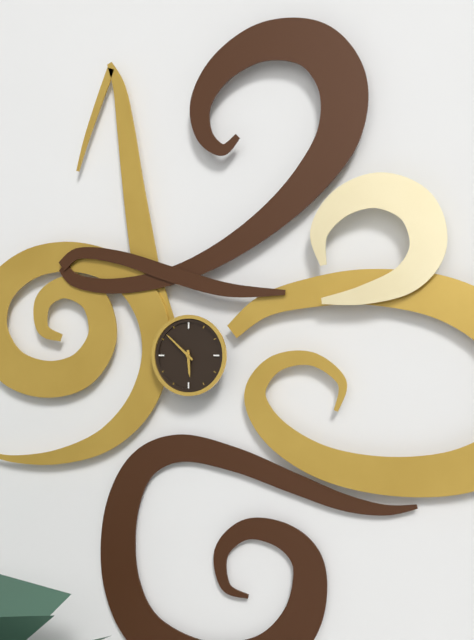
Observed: 5h52
